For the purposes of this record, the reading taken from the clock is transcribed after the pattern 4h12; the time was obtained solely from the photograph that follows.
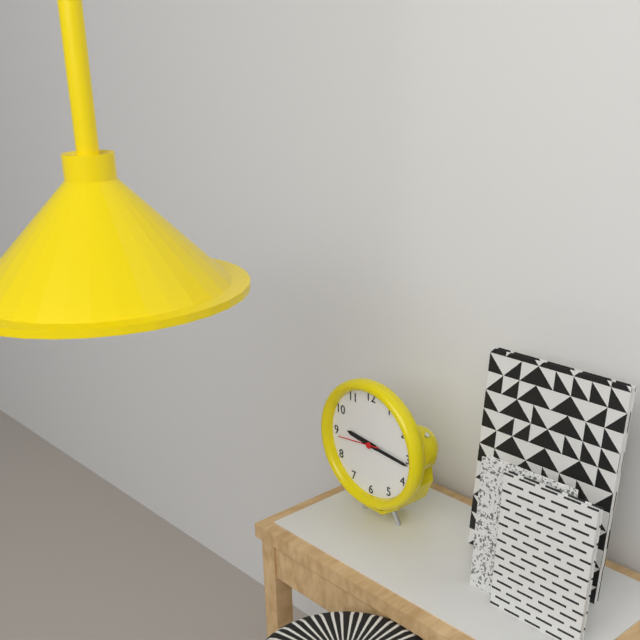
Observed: 9h16
